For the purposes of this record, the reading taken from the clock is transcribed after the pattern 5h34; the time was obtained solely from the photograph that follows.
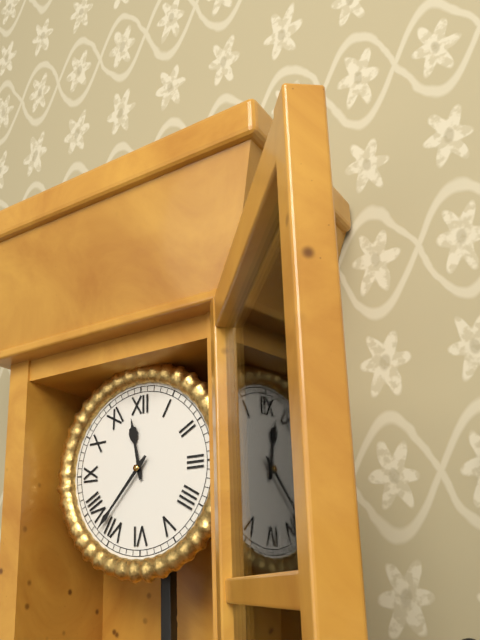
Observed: 11h37
